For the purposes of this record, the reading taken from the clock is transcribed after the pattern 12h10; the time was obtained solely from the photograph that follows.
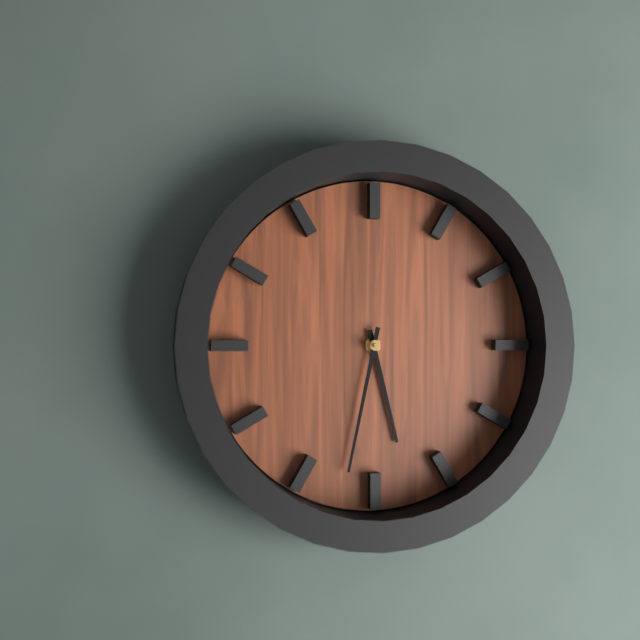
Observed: 5h32
